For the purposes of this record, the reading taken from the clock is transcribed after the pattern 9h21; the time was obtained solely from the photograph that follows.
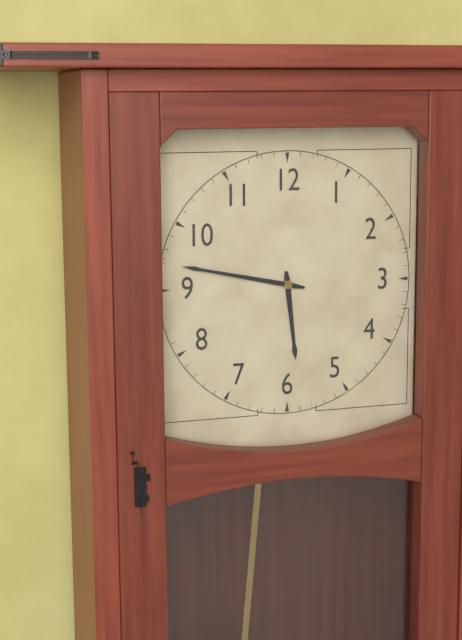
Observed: 5h47
